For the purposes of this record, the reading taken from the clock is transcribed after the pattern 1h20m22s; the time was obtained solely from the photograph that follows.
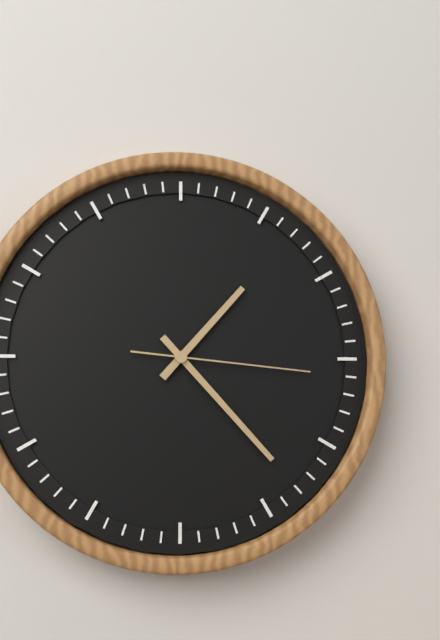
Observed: 1h23m16s
